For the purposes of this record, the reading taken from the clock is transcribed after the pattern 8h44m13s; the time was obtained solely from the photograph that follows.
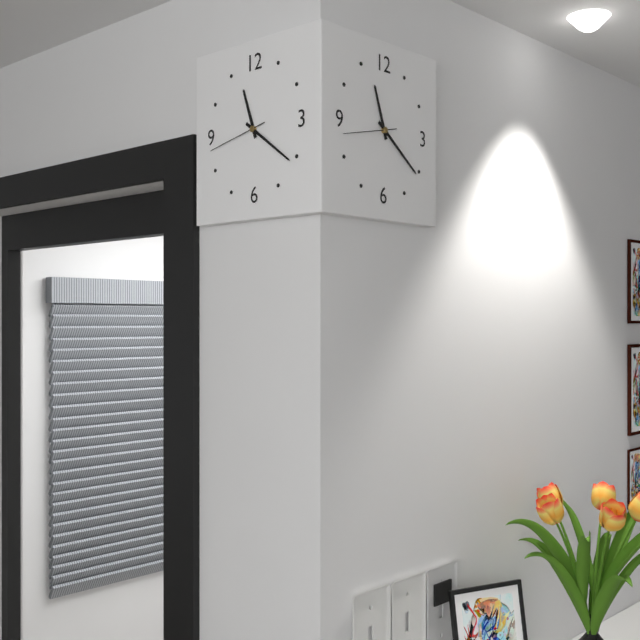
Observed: 11h21m43s
